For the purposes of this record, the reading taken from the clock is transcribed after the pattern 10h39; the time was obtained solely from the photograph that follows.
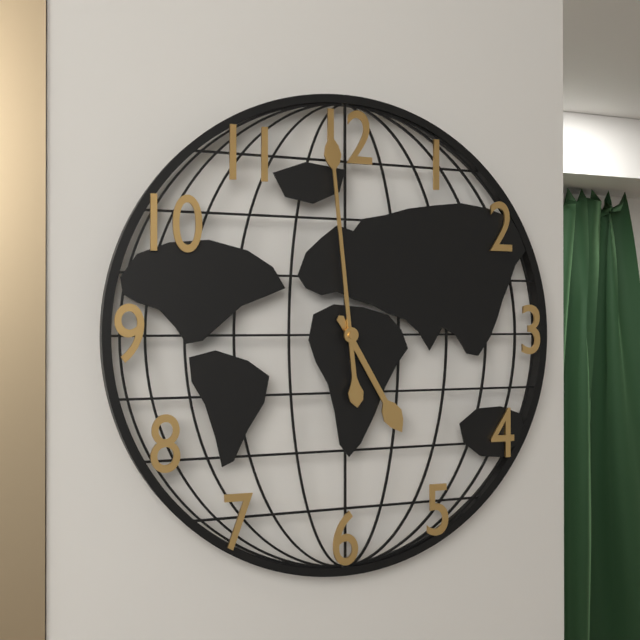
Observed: 4h59
